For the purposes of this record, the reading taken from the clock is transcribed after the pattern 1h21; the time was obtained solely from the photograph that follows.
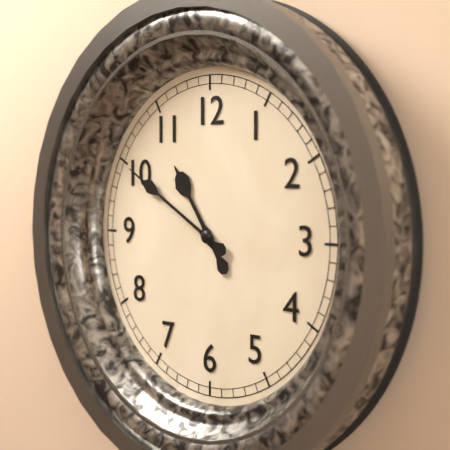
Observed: 10h50
